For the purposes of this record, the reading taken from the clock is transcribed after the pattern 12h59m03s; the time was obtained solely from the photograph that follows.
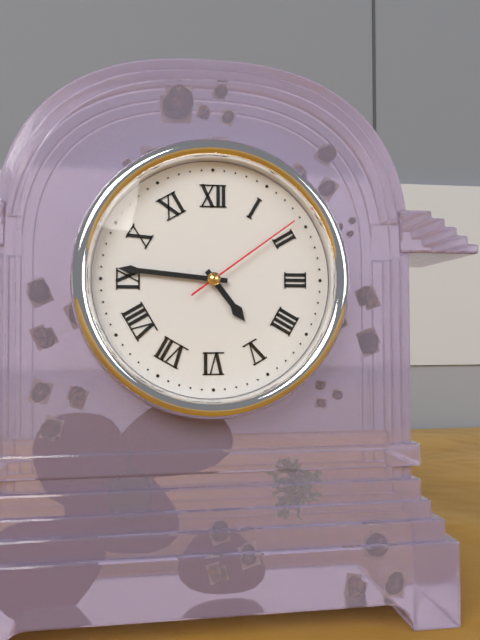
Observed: 4h46m09s
